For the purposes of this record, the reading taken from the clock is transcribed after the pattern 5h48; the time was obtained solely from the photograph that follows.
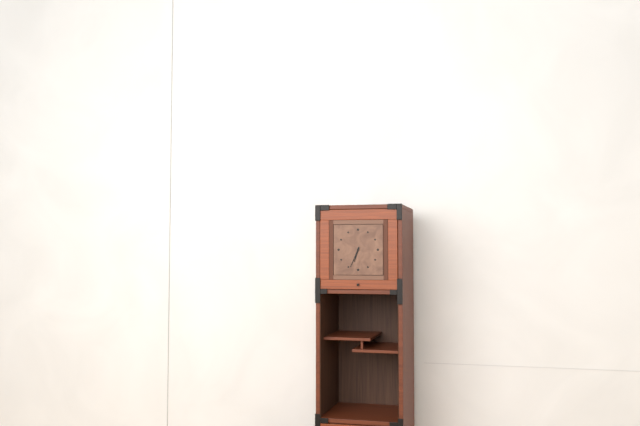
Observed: 6h34
